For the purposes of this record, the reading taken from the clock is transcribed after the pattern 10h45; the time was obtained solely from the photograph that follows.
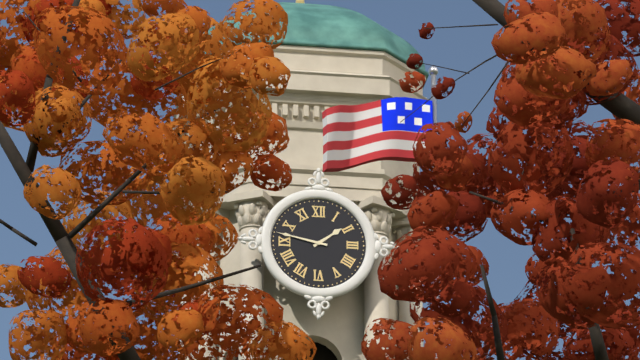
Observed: 1h47
